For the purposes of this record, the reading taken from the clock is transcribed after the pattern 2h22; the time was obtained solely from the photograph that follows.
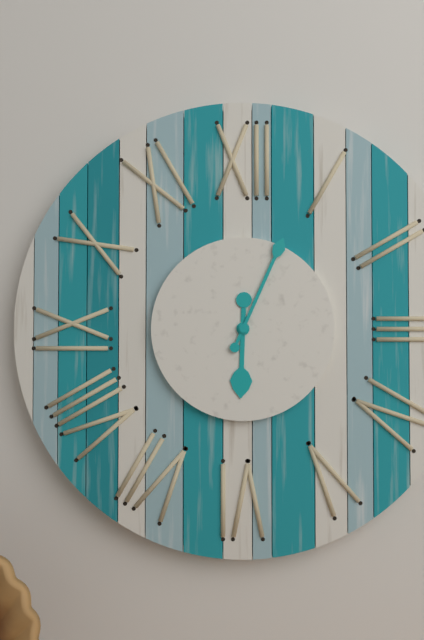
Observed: 6h04
